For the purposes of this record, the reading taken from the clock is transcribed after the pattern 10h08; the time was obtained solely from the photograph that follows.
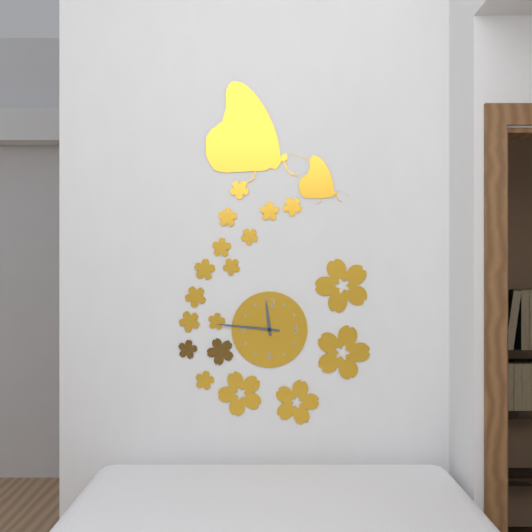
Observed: 11h46
